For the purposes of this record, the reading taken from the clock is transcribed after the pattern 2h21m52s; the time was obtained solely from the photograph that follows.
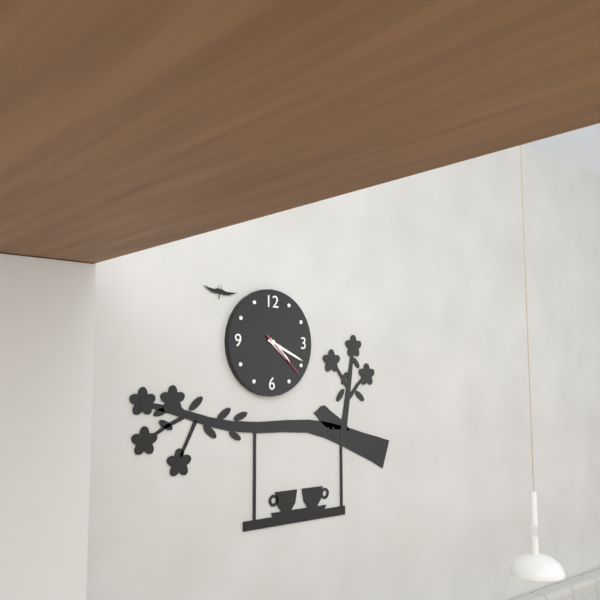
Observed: 4h19m22s
